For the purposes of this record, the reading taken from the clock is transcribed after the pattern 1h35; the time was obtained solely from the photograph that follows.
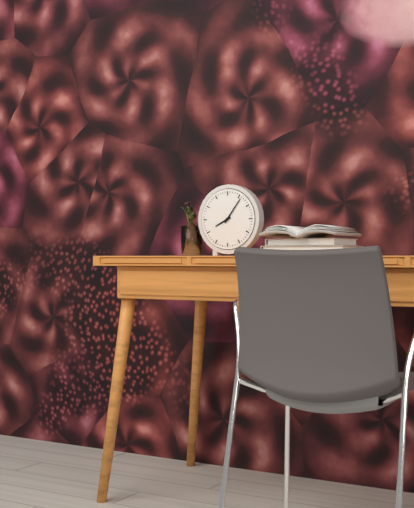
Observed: 8h06
